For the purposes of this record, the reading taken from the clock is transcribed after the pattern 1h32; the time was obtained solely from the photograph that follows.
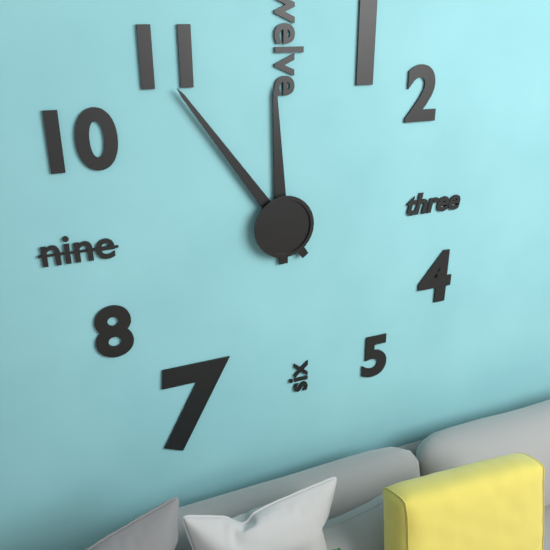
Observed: 11h54
